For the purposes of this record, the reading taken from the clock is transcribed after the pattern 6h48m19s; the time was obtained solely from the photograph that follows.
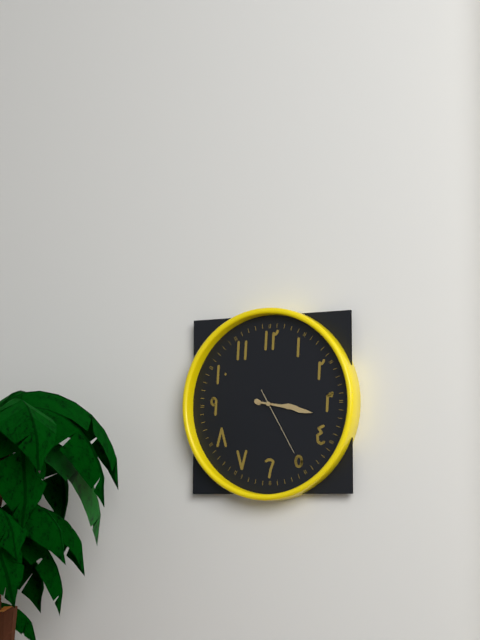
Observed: 3h17m25s
